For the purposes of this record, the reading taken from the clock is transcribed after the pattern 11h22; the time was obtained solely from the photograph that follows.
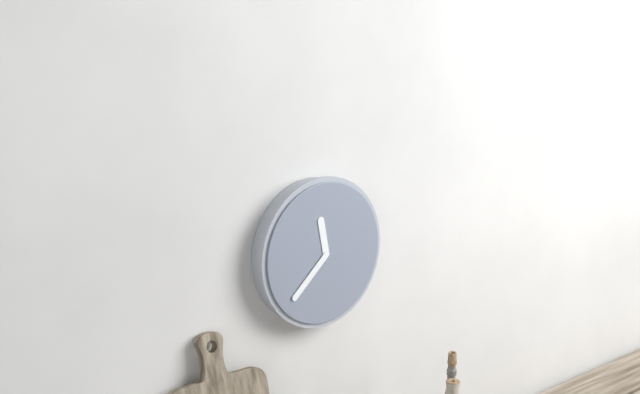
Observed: 11h38
